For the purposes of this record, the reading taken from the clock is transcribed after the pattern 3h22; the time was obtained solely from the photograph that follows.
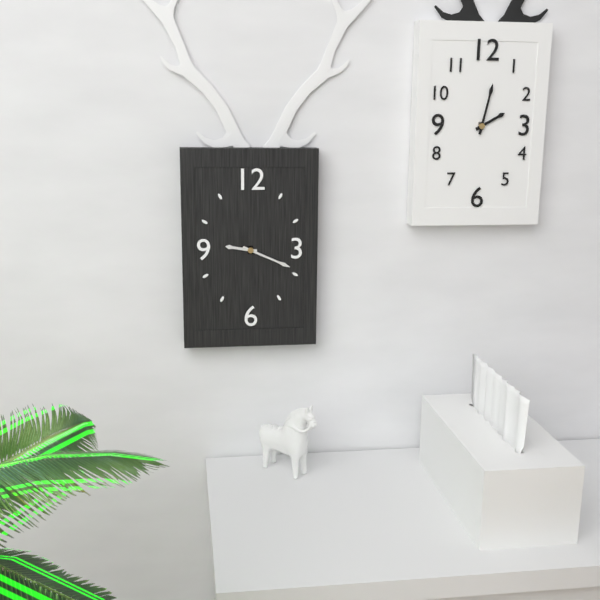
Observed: 9h19
